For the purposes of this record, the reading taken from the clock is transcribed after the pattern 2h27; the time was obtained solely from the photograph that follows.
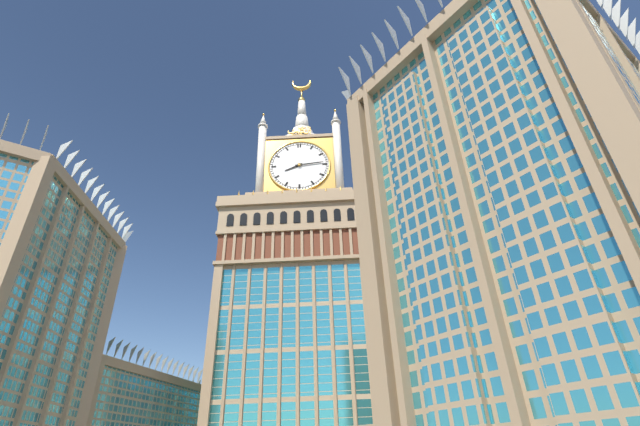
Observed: 8h14
